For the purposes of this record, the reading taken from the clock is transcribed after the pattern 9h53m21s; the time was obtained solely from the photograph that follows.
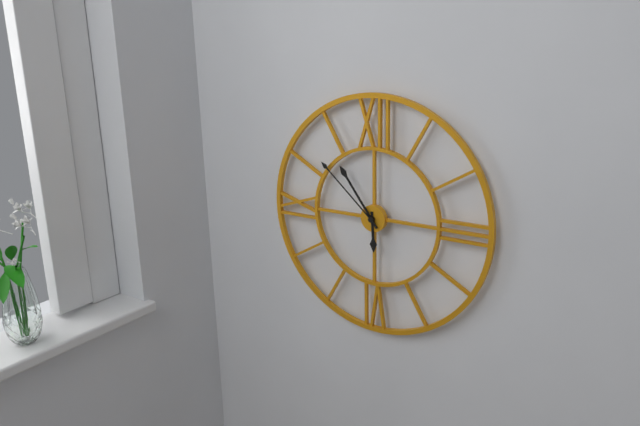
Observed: 5h54m52s
